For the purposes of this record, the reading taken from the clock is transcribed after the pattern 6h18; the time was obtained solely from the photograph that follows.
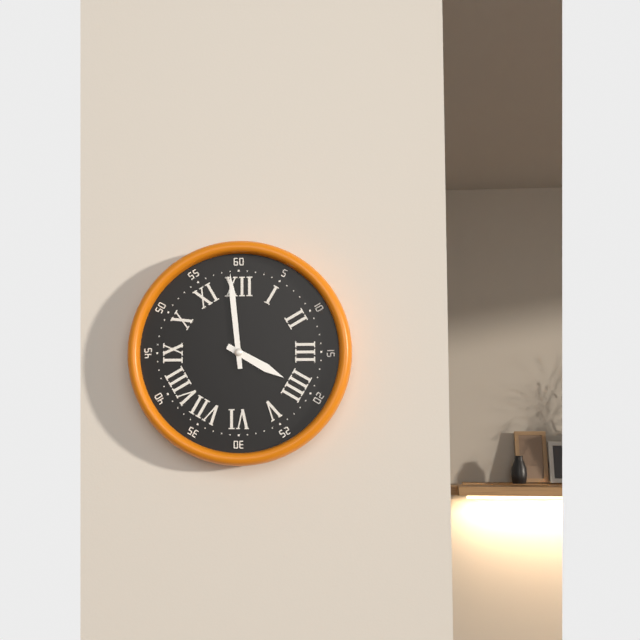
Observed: 3h59
